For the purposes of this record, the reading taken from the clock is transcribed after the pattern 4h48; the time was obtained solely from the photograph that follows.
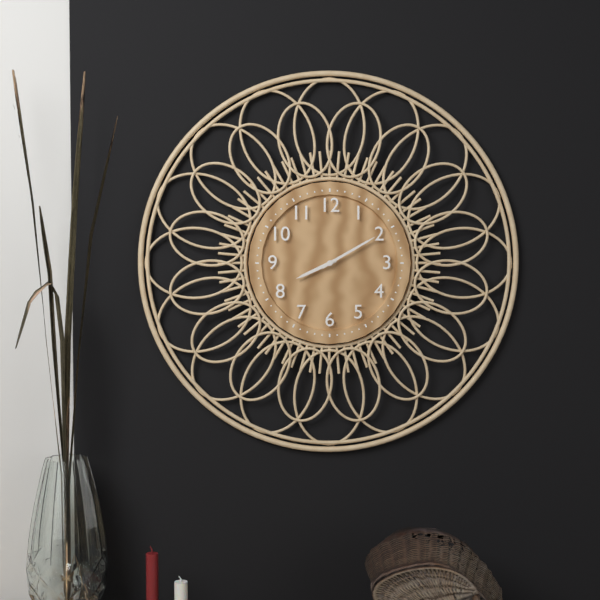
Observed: 8h10
